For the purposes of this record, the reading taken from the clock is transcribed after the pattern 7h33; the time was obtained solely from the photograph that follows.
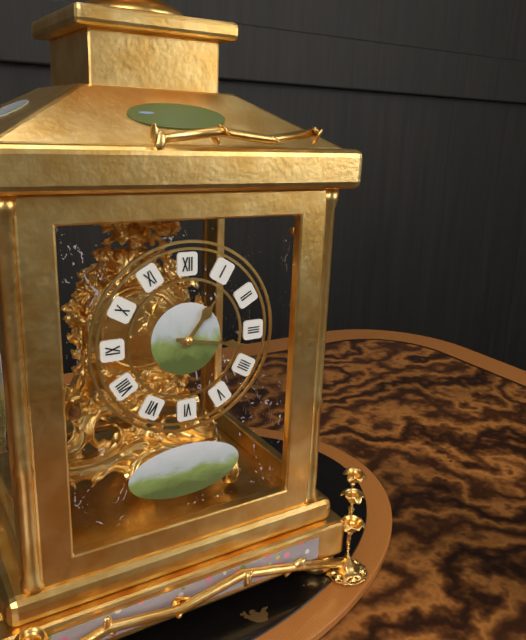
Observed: 1h17
